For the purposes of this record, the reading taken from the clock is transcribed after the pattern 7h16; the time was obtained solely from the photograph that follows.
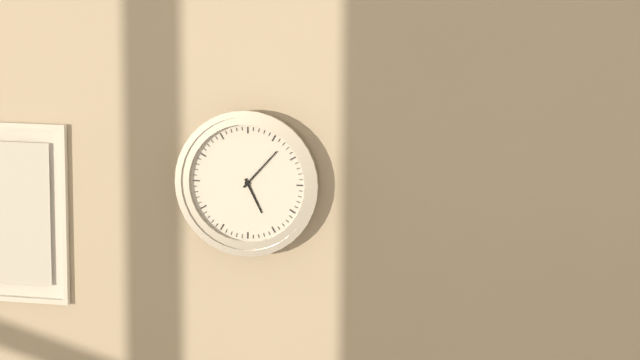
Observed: 5h07
